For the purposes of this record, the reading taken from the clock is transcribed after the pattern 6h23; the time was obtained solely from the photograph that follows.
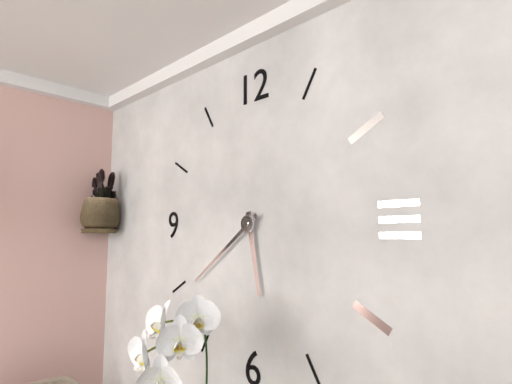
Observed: 5h39
